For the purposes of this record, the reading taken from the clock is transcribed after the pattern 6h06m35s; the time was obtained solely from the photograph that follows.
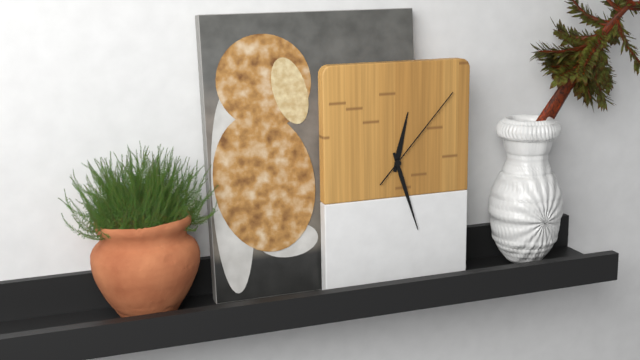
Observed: 12h27m07s
